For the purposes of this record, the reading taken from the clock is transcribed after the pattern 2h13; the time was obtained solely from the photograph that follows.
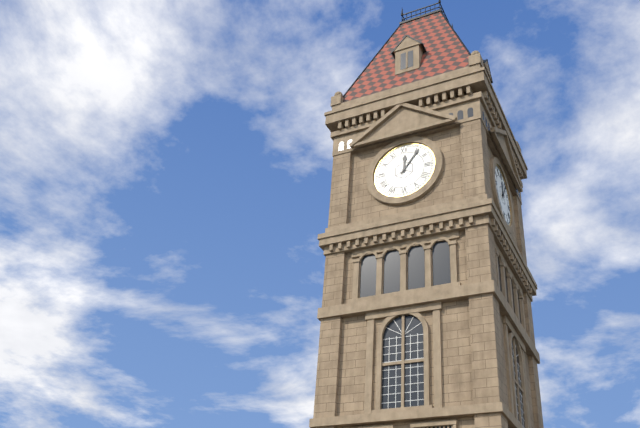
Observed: 12h06
